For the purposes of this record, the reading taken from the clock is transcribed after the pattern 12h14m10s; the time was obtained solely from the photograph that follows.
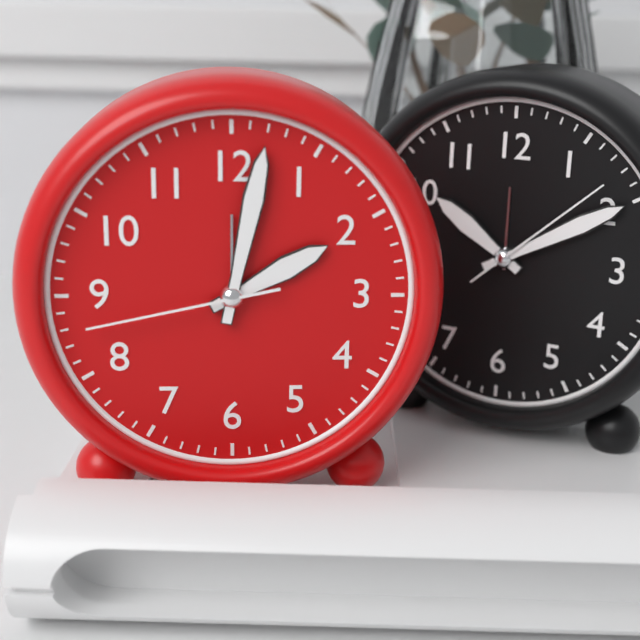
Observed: 2h02m43s
